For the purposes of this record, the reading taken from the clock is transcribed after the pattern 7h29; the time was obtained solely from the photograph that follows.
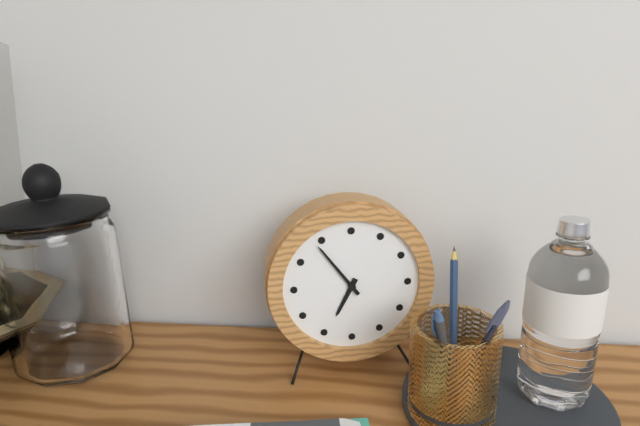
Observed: 6h54
